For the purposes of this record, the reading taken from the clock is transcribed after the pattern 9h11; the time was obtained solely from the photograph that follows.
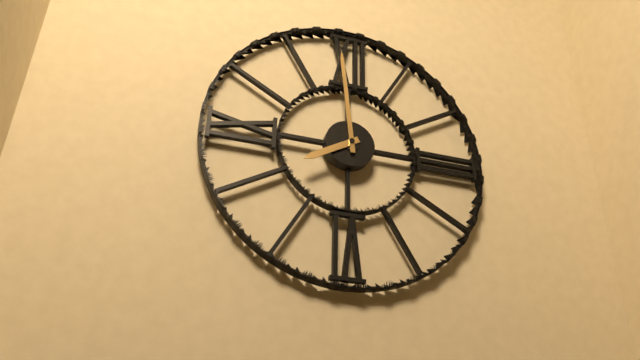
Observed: 7h59
